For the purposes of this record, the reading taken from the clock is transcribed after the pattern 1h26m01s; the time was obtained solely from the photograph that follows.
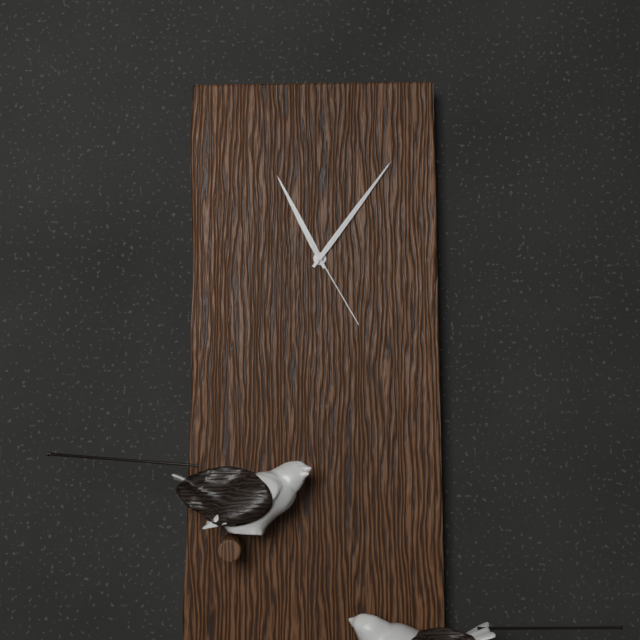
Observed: 11h06m25s
